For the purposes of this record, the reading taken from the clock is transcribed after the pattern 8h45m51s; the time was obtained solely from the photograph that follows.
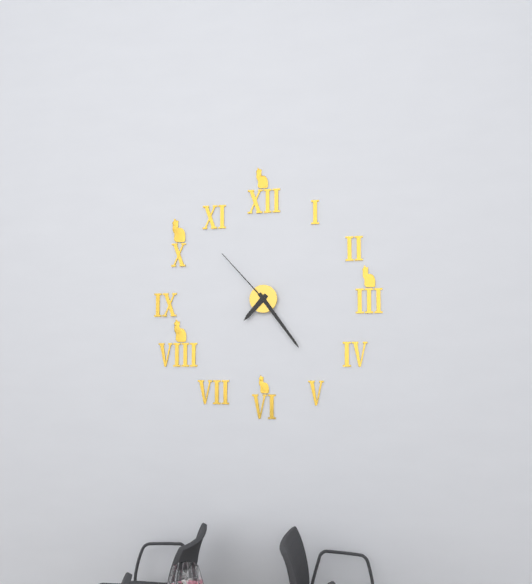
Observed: 7h24m53s
